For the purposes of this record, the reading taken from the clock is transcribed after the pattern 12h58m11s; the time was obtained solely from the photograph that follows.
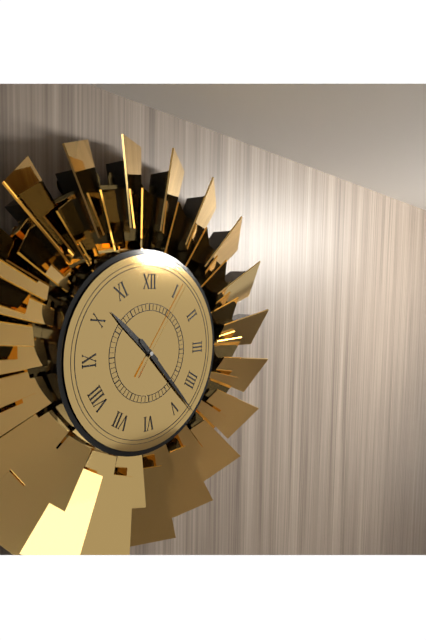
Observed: 10h23m06s
